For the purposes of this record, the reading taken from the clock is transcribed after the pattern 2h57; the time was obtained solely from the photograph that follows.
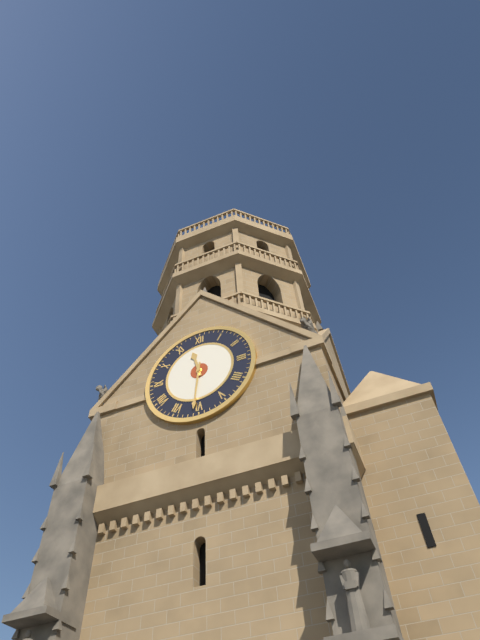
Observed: 11h31
